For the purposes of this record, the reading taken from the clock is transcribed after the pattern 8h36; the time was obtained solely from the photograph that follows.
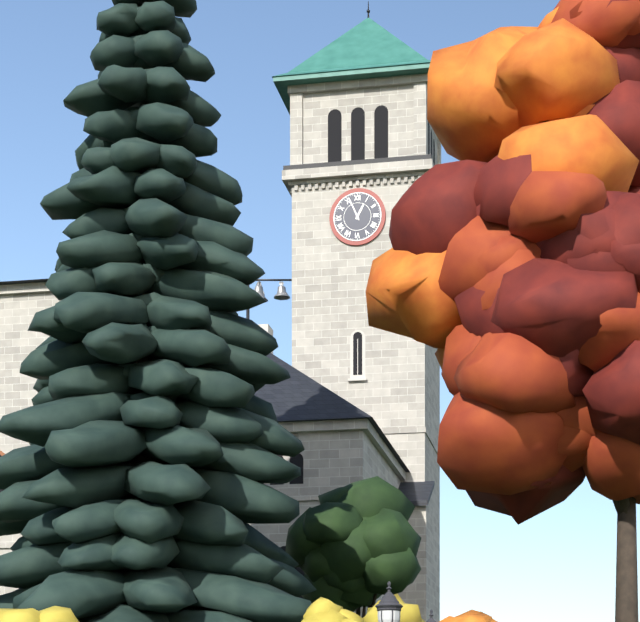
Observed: 12h56
